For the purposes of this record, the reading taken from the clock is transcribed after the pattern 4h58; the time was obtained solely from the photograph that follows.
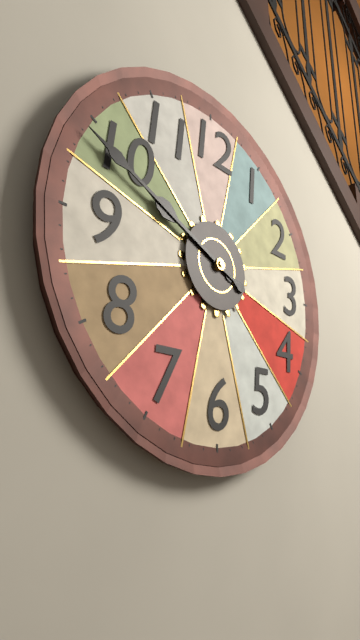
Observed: 9h49
